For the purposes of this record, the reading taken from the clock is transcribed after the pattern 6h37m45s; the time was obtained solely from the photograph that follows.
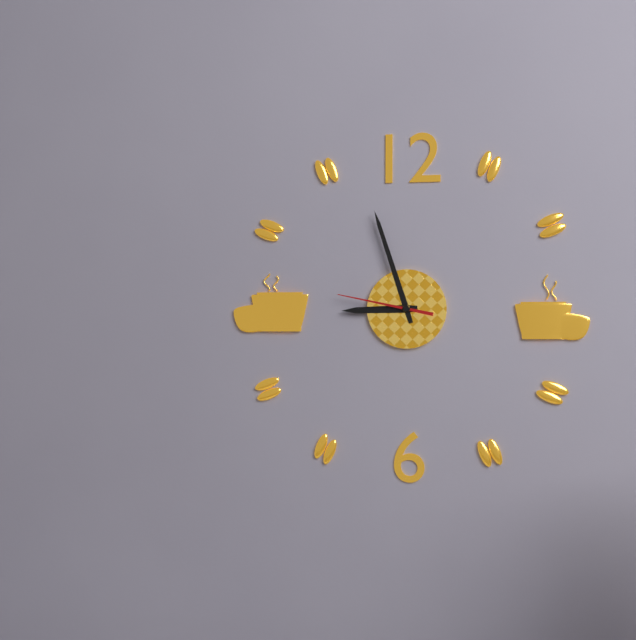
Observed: 8h57m47s
